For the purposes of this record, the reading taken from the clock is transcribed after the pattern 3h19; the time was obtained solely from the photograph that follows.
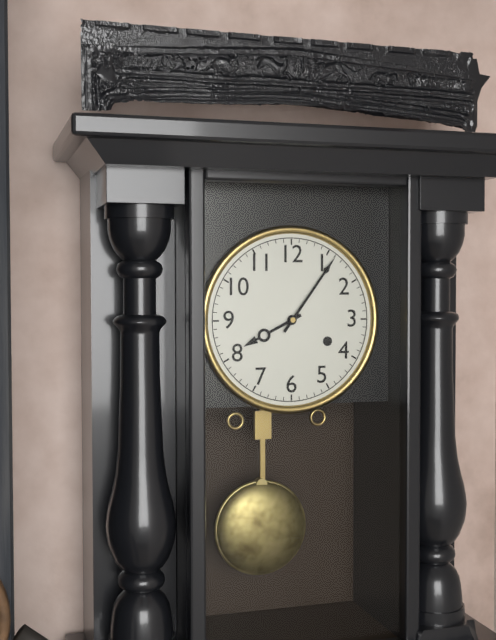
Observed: 8h06
